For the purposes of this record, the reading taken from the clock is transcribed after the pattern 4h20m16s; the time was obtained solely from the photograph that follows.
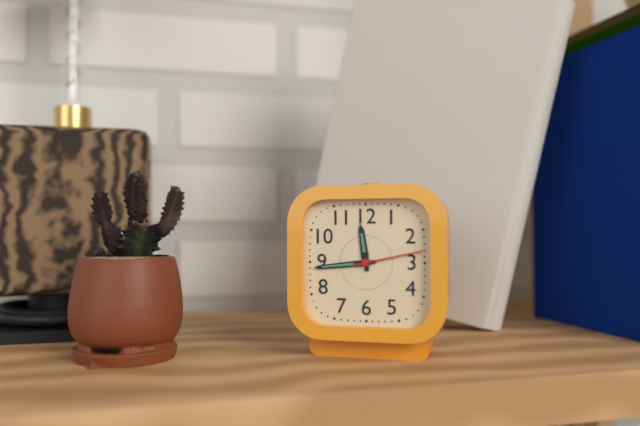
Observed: 11h44m13s
